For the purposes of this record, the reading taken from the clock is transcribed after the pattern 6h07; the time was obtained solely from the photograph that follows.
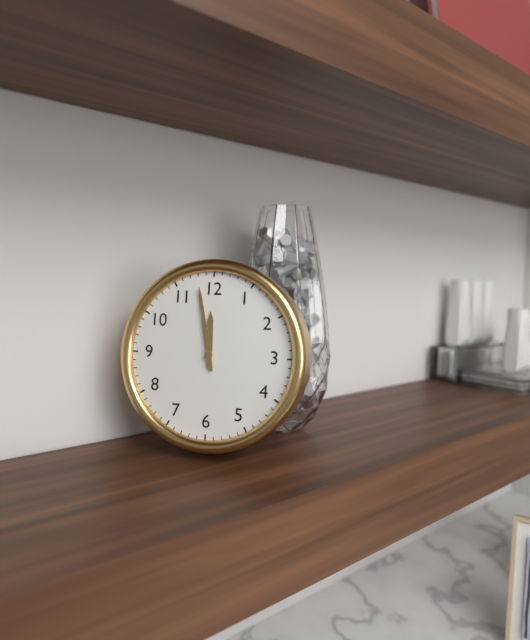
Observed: 11h58
